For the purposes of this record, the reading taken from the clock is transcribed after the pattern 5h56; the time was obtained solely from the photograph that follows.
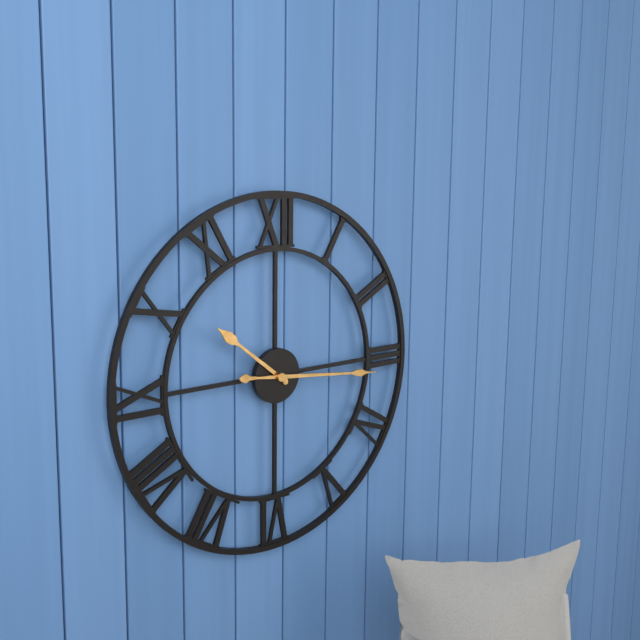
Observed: 10h16
